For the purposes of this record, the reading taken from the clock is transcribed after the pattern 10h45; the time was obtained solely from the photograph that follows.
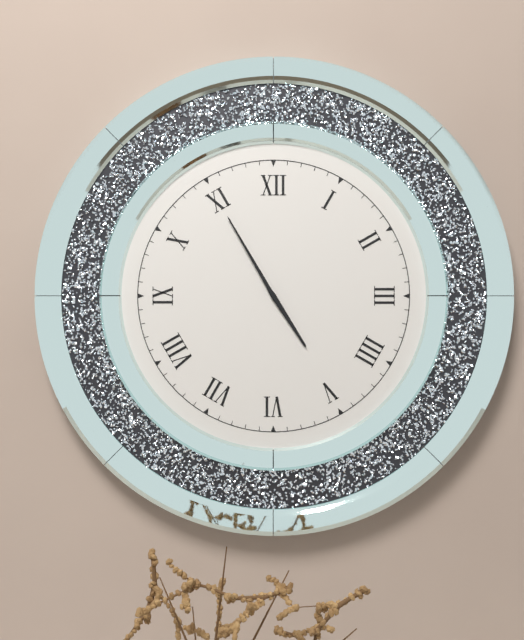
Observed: 4h55
